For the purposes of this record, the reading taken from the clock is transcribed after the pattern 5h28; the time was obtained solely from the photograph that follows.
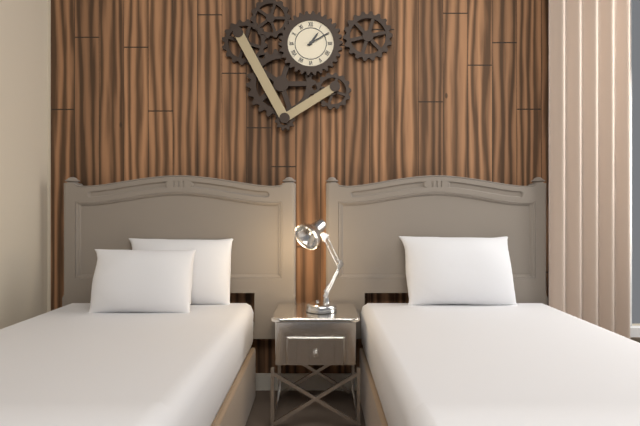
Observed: 1h10
